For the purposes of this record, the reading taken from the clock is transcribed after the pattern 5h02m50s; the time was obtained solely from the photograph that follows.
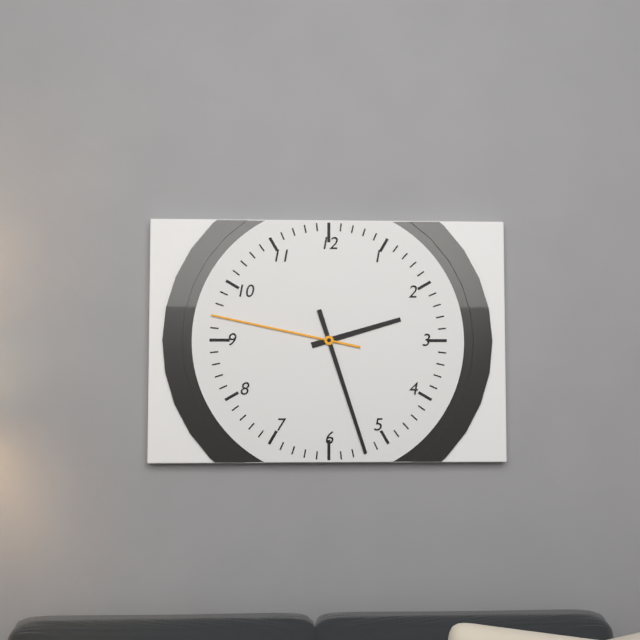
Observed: 2h27m47s
